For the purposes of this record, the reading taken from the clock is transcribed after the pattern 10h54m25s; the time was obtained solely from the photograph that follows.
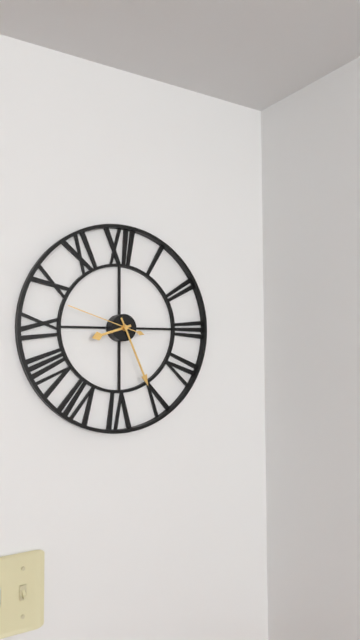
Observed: 8h26m48s
